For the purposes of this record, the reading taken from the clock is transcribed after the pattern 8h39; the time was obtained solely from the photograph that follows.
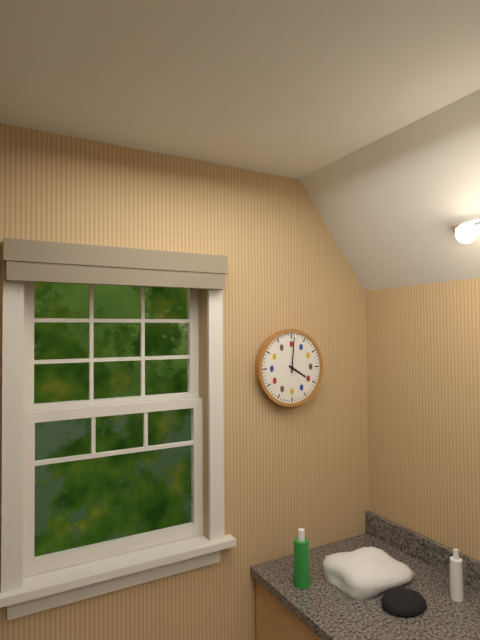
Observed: 4h01
